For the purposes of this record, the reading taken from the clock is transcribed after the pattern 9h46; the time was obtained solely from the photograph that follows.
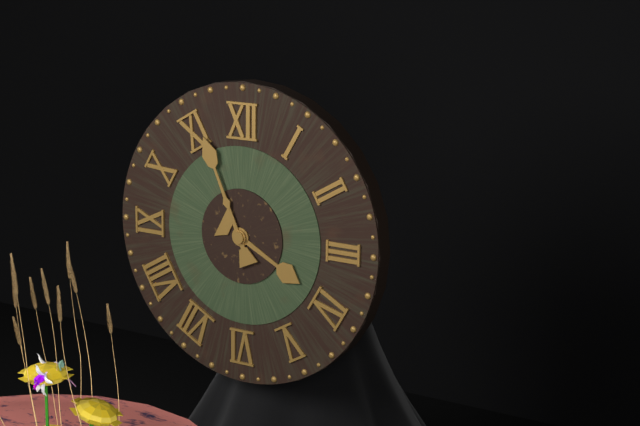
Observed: 3h56
